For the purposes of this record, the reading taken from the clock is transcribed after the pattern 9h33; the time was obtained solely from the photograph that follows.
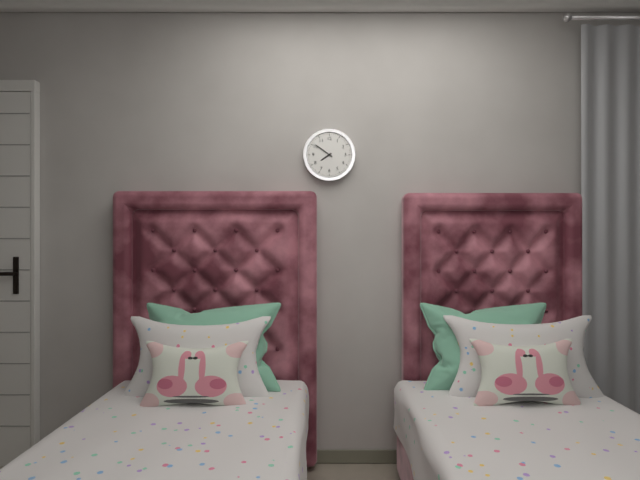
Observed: 7h51
